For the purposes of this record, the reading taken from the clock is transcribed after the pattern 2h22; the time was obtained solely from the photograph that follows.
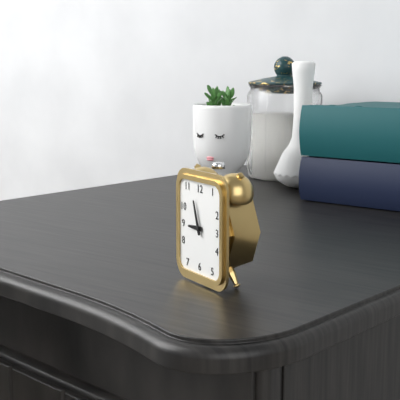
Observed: 8h57
